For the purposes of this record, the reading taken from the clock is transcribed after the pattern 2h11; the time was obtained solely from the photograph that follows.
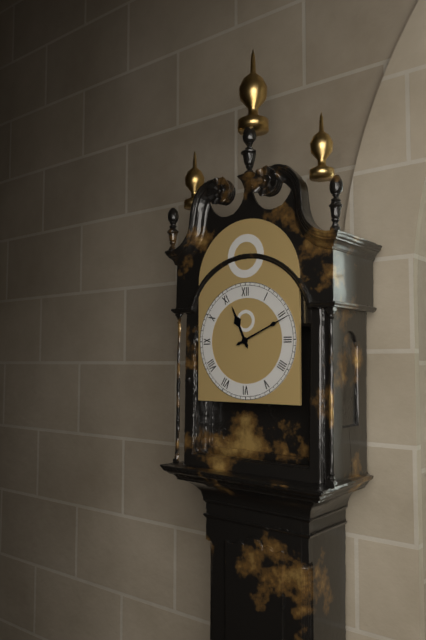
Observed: 11h11
